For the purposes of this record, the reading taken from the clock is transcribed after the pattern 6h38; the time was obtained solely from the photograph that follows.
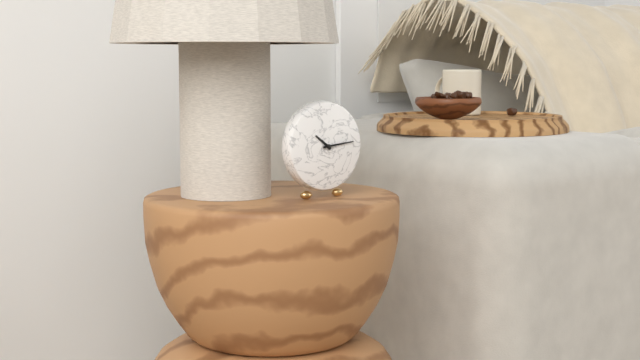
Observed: 10h14
